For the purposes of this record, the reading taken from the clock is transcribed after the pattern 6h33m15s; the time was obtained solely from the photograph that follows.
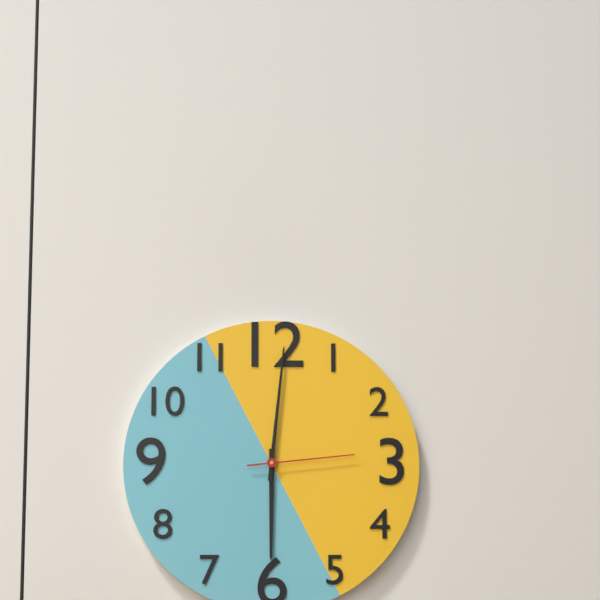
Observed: 6h01m14s
